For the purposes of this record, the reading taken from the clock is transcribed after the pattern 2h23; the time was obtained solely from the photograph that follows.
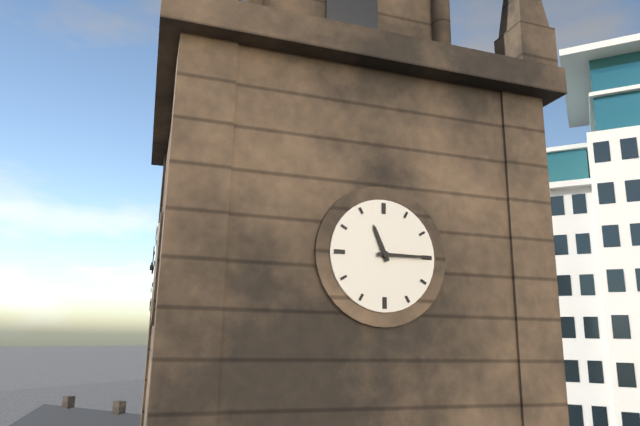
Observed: 11h15
